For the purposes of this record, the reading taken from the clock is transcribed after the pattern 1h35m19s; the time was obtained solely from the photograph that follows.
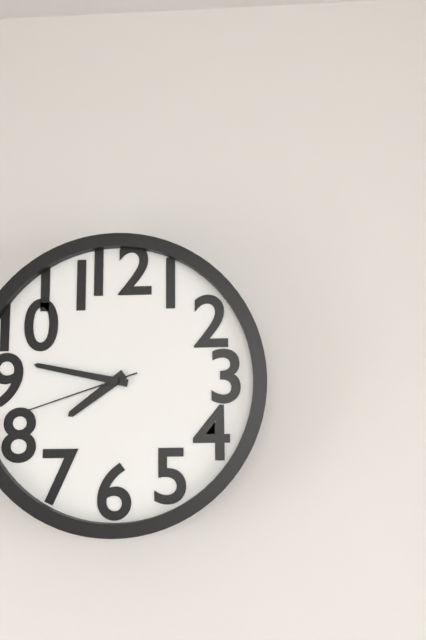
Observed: 7h47m42s
